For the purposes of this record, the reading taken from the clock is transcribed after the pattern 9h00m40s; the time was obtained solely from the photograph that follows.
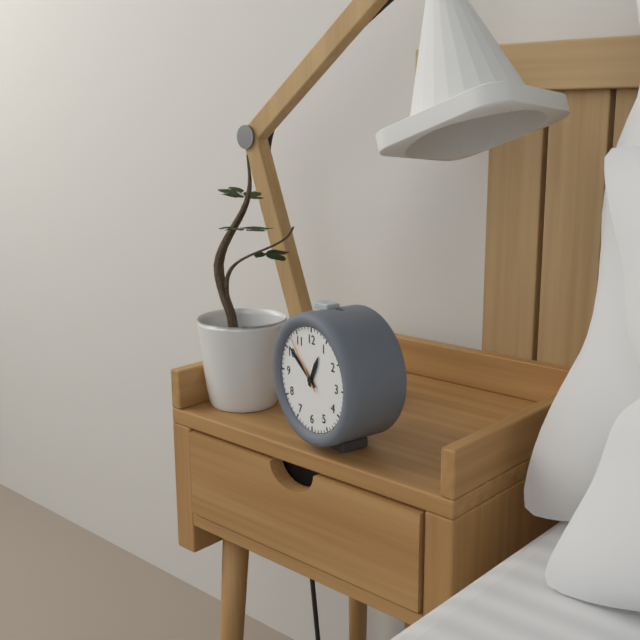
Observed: 12h51m53s
